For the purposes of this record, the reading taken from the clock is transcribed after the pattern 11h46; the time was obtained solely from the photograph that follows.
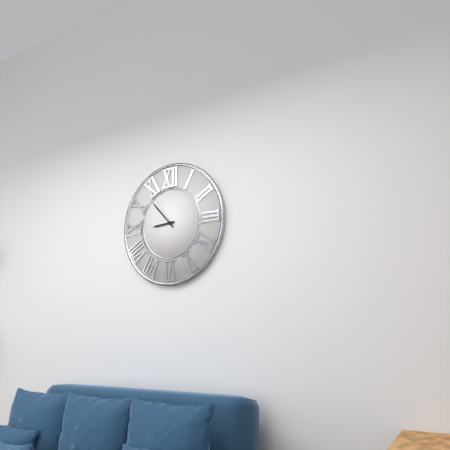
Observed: 8h53
